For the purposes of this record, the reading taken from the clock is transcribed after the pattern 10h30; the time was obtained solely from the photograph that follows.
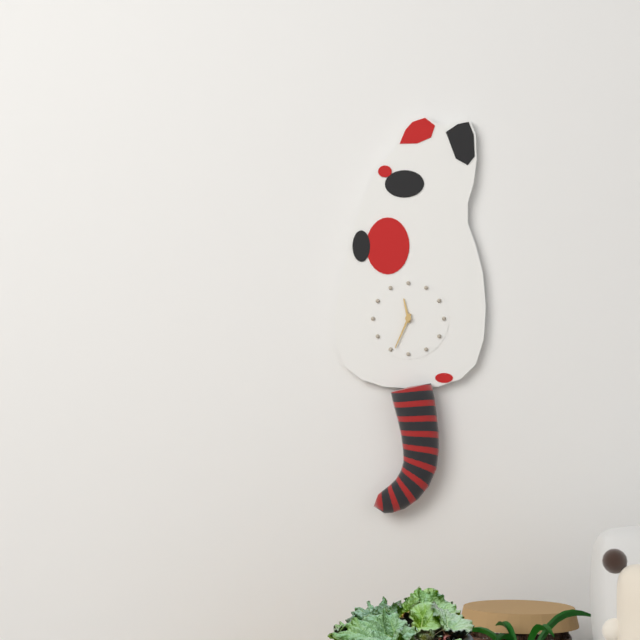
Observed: 11h34
